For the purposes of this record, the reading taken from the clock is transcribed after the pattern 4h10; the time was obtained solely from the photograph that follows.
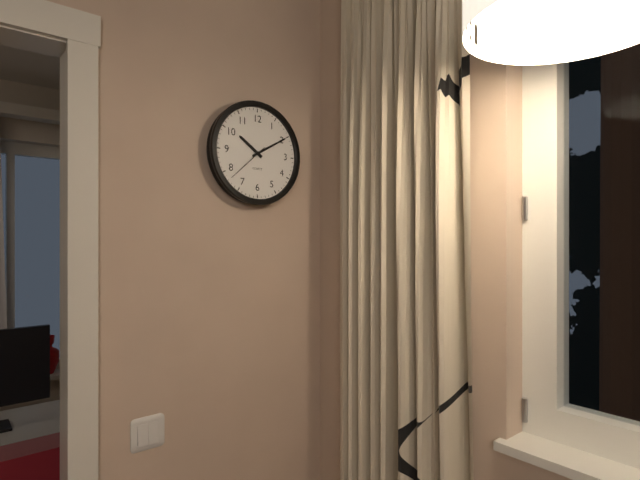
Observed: 10h10
